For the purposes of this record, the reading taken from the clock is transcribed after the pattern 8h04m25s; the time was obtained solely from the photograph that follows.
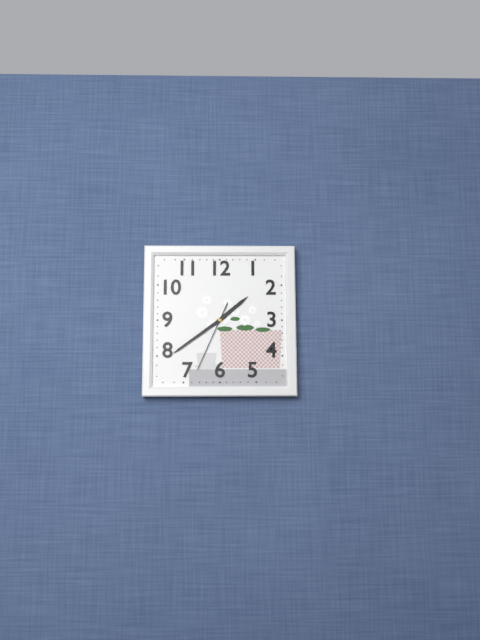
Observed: 1h39m34s
